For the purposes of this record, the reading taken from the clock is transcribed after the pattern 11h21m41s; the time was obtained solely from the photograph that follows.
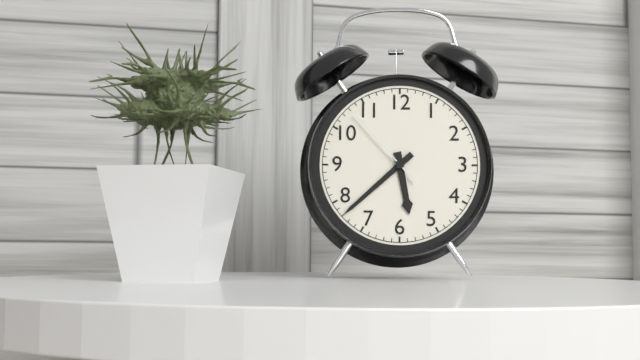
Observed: 5h38m53s
